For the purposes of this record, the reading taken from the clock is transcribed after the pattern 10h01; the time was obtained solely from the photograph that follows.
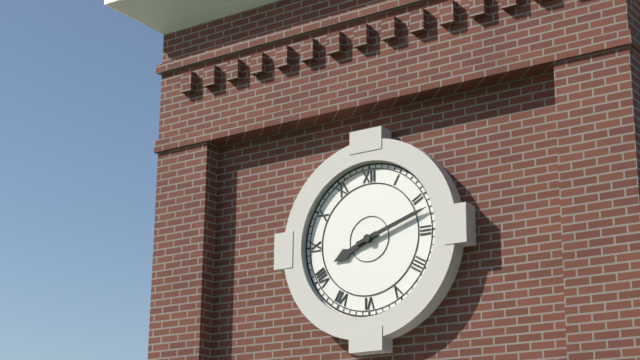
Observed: 8h12
